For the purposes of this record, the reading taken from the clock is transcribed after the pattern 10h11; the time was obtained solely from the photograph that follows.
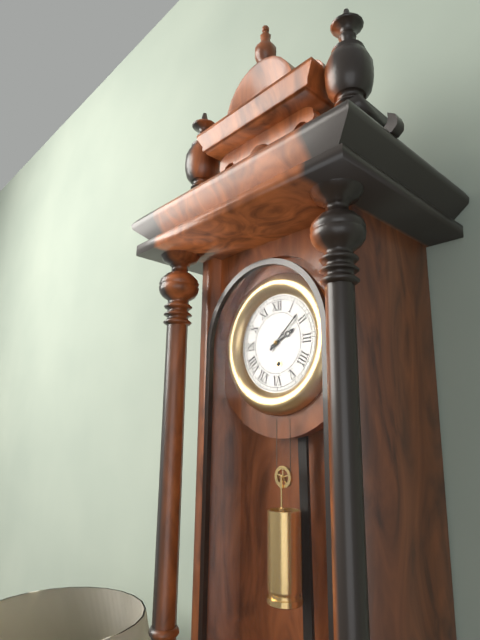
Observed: 2h08
